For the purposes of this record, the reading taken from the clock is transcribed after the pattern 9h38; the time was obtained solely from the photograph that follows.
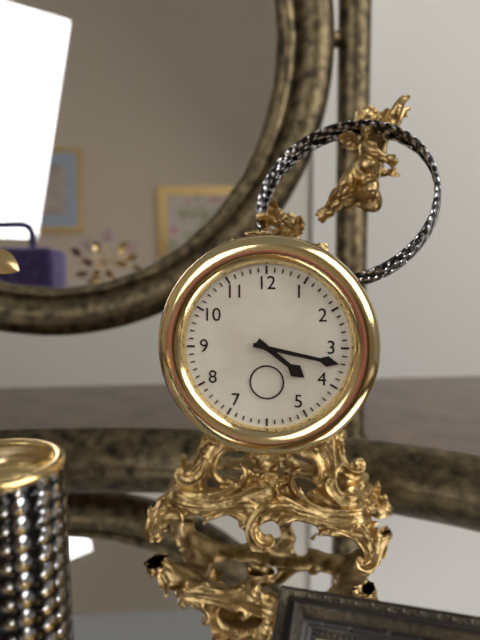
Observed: 4h17
